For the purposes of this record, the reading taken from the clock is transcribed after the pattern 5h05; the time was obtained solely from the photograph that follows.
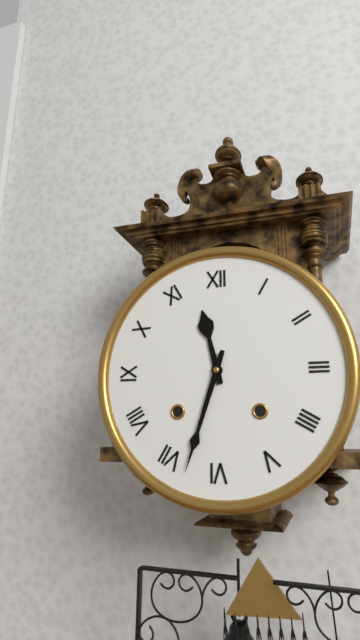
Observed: 11h33
